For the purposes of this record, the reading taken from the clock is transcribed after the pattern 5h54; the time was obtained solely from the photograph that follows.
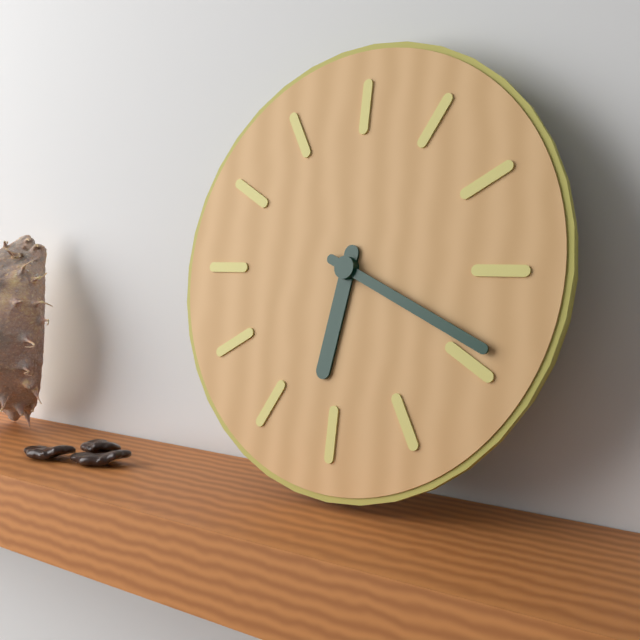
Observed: 6h19
